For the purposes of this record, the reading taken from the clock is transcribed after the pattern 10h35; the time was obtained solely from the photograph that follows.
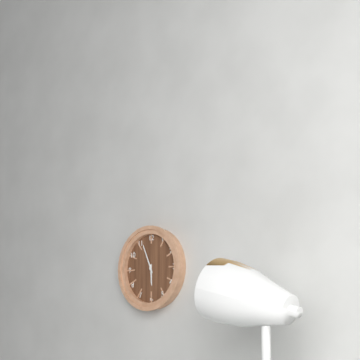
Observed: 5h56
